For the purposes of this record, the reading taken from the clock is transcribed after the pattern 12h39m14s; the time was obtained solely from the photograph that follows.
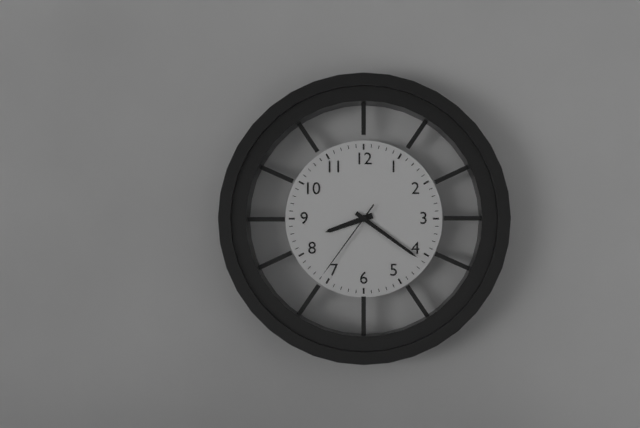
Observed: 8h21m36s
